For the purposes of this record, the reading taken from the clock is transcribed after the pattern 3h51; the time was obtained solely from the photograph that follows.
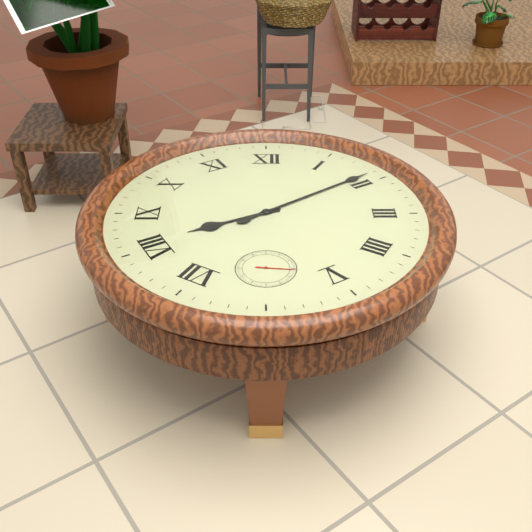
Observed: 8h09
